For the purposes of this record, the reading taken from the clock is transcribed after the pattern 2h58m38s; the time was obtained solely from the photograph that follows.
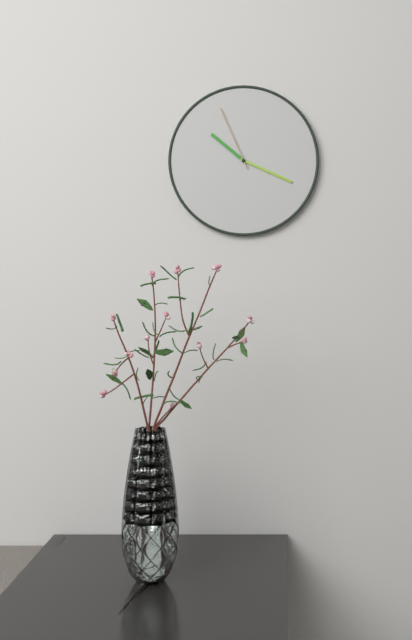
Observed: 10h19m56s
